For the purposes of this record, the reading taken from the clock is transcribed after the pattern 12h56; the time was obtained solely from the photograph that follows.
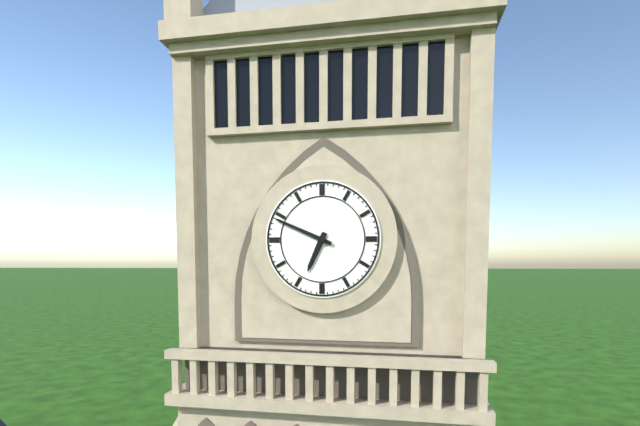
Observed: 6h49
